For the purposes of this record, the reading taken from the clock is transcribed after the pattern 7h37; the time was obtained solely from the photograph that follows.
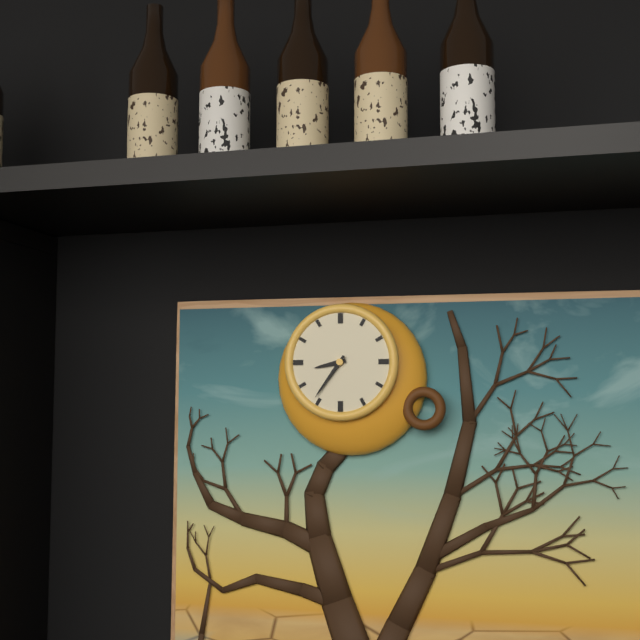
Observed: 8h36
